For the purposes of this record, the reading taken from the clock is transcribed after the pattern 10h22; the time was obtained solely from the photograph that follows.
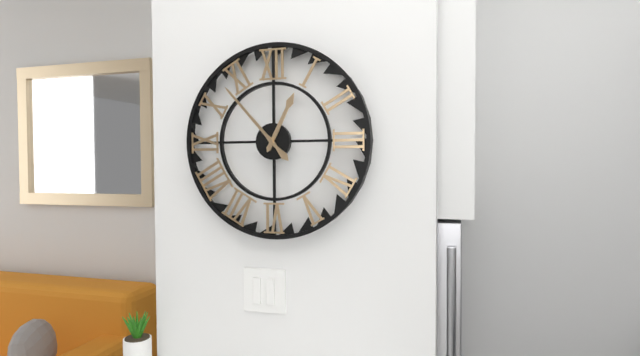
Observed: 12h53
